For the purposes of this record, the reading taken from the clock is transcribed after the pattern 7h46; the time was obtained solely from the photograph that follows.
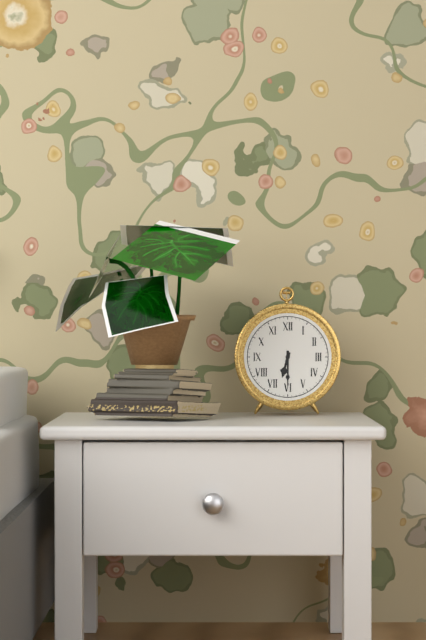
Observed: 6h30
